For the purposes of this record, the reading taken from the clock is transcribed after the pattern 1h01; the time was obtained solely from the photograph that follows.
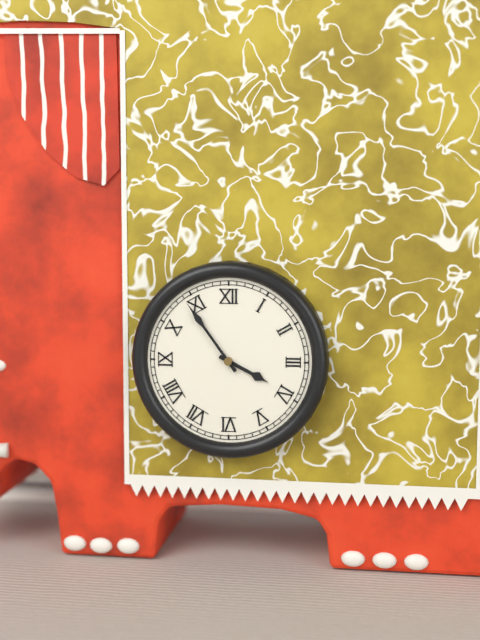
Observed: 3h54
